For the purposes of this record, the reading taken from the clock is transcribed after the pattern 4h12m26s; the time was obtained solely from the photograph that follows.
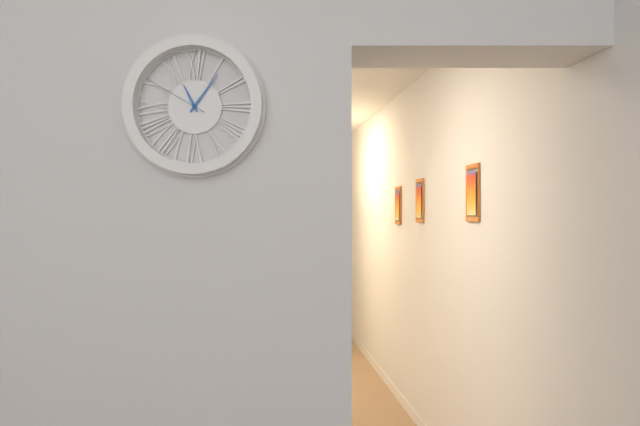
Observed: 11h06m50s
